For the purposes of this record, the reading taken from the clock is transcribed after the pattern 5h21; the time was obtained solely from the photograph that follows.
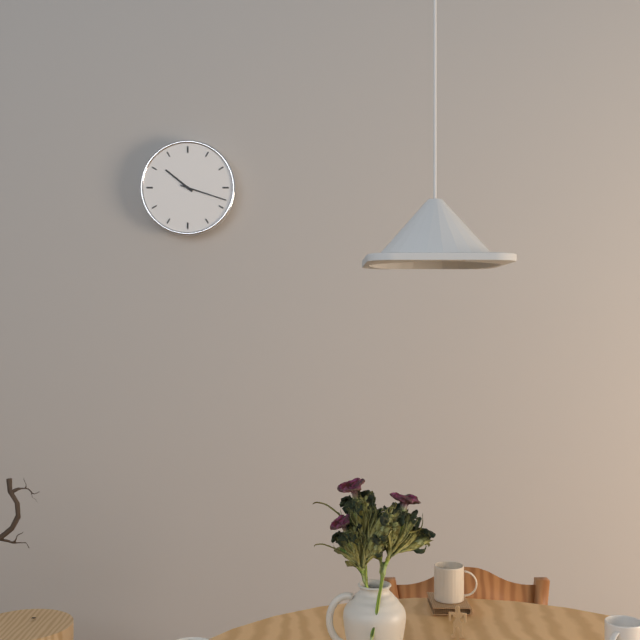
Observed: 10h18
